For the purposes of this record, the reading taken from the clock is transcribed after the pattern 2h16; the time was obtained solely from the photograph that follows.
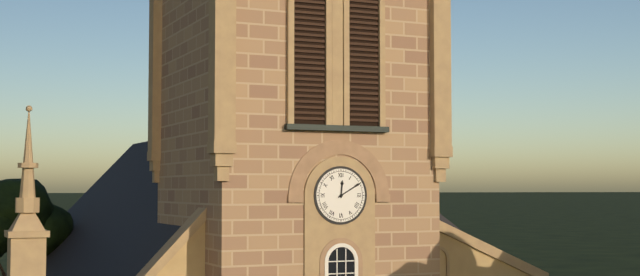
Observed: 12h10
